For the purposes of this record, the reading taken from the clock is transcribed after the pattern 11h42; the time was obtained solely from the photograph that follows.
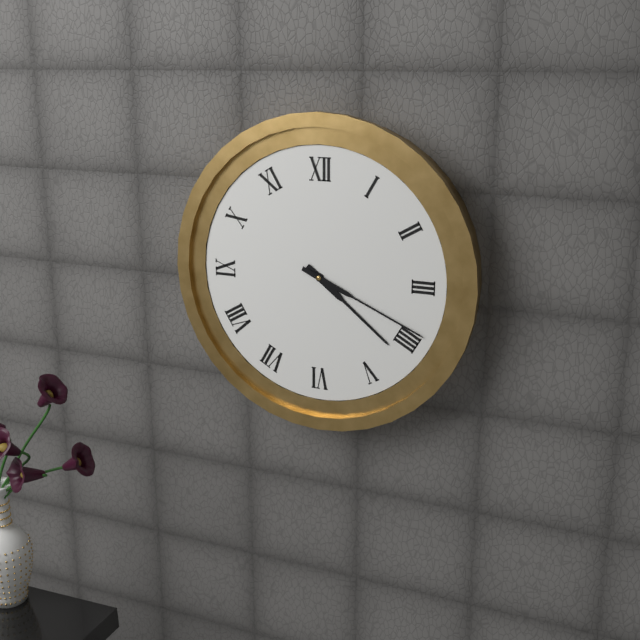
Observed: 4h19
